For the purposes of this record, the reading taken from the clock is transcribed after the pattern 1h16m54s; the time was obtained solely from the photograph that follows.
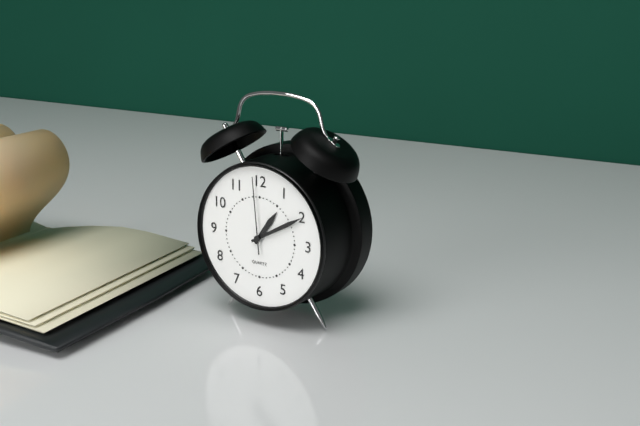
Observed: 1h10m59s
